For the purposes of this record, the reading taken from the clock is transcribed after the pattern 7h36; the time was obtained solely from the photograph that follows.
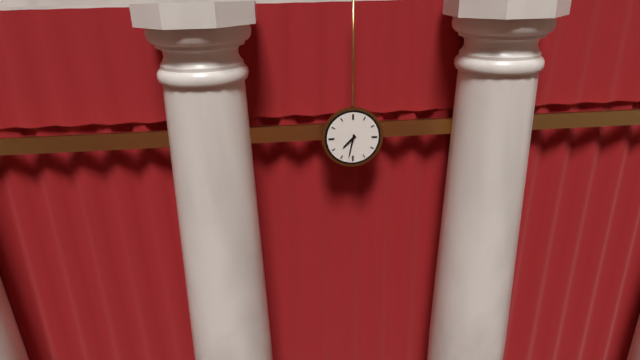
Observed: 7h32
